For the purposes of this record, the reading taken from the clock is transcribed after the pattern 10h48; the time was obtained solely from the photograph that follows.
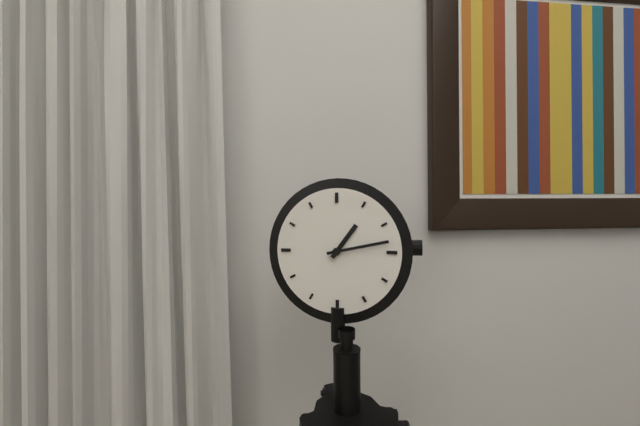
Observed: 1h13
